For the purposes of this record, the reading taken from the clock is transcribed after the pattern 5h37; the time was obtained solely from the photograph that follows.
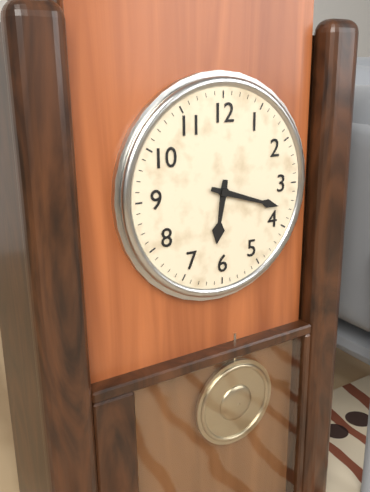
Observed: 6h18
